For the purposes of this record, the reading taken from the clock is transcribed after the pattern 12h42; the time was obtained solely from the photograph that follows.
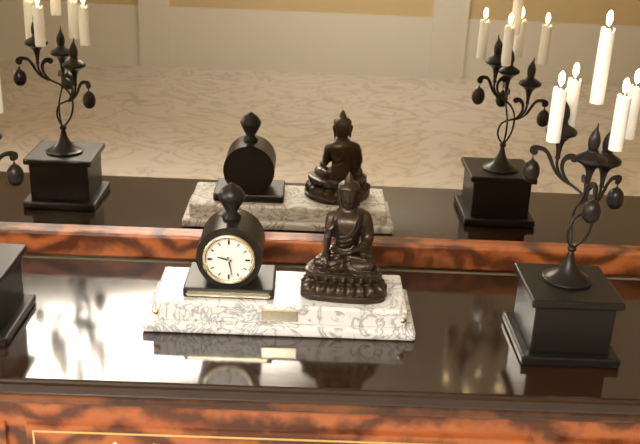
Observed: 9h28
